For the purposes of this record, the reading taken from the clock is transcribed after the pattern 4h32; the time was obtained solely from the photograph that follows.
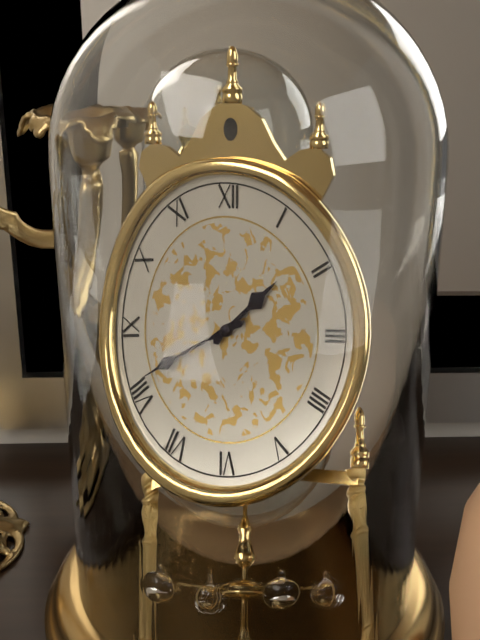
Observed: 1h41
